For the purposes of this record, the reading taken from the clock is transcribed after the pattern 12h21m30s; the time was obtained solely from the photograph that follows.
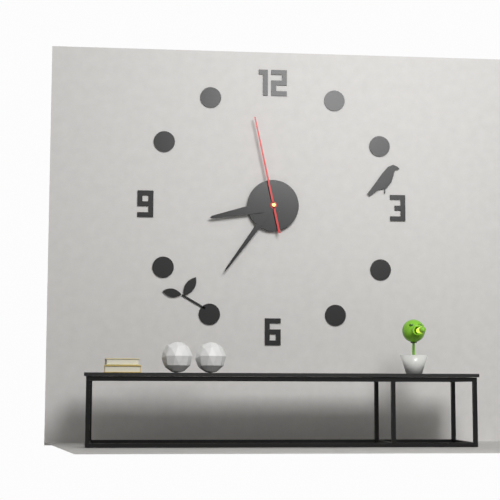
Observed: 8h36m58s
